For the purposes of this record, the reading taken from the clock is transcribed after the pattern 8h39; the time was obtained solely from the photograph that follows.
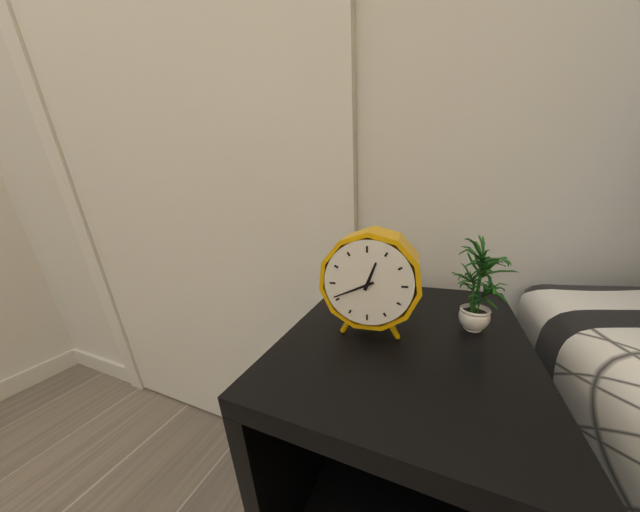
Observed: 12h41
